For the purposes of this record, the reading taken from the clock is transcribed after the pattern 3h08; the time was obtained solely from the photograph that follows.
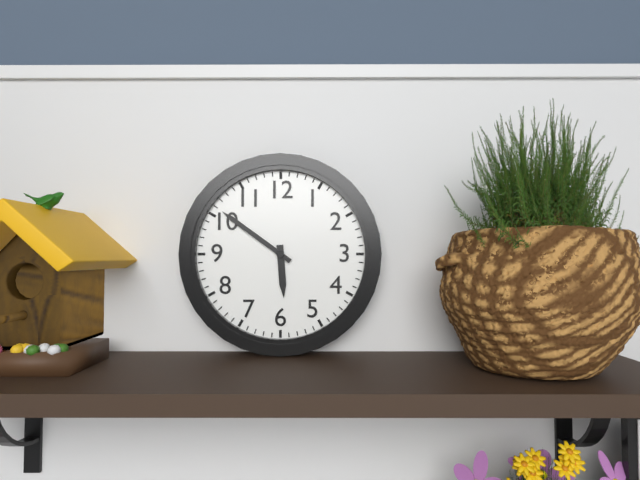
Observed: 5h51
